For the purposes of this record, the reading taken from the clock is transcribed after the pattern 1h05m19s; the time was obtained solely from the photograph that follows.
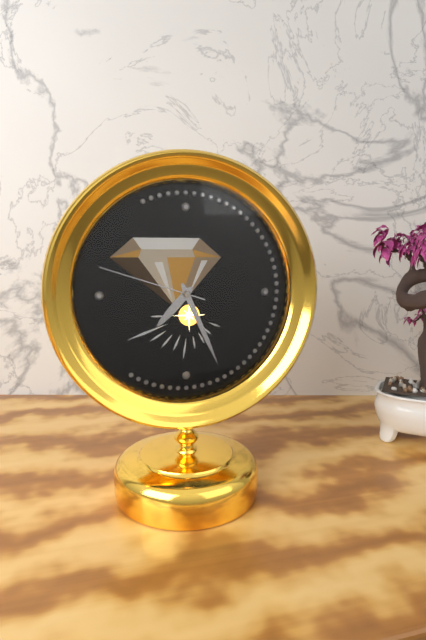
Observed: 7h26m48s
